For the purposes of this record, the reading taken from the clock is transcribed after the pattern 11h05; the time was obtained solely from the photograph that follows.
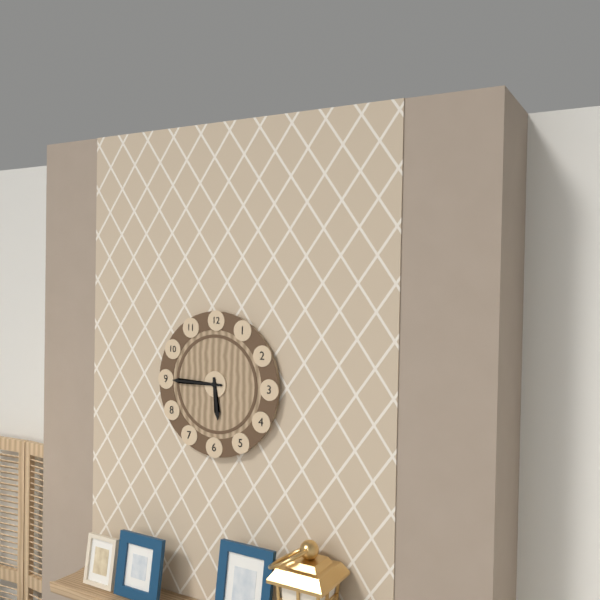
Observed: 5h45
